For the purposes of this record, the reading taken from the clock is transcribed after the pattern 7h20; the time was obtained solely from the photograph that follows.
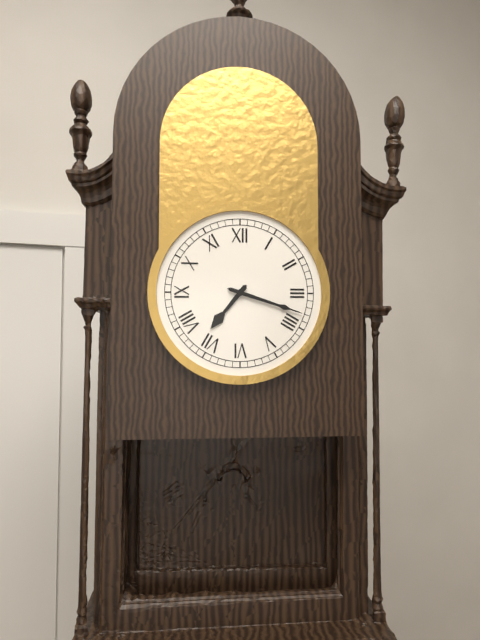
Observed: 7h18
